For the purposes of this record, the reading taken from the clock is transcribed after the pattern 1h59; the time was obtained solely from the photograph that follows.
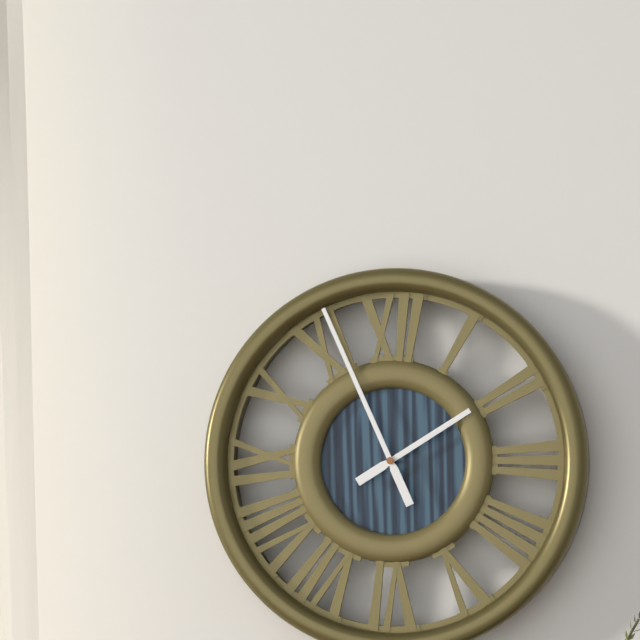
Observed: 1h56
